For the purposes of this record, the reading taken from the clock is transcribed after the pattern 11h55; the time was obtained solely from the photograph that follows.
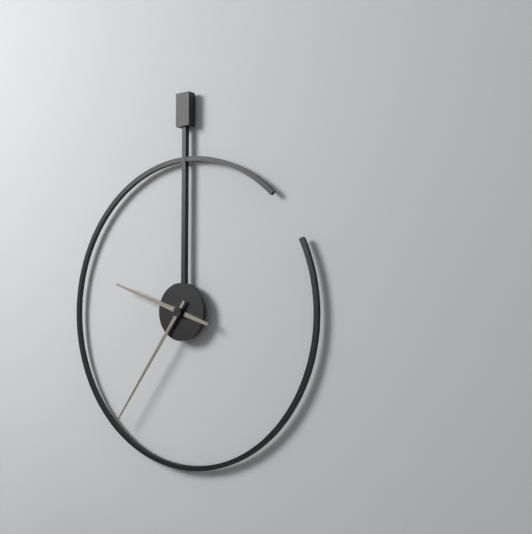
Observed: 9h36
